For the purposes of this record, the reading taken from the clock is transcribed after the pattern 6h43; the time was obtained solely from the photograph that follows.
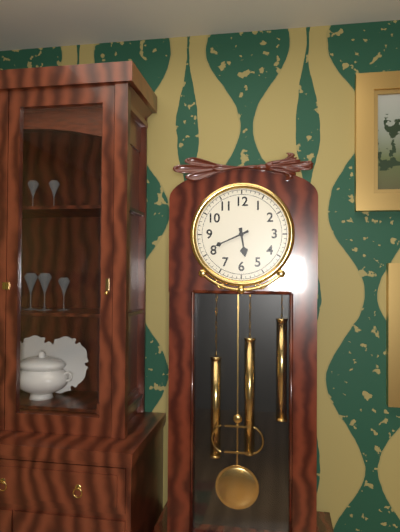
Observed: 5h41
